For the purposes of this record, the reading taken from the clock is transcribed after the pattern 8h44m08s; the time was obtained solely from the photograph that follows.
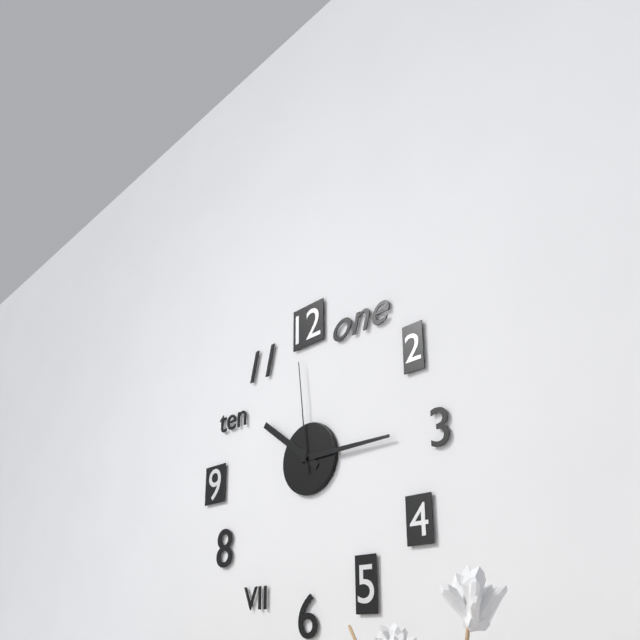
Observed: 10h15m59s
